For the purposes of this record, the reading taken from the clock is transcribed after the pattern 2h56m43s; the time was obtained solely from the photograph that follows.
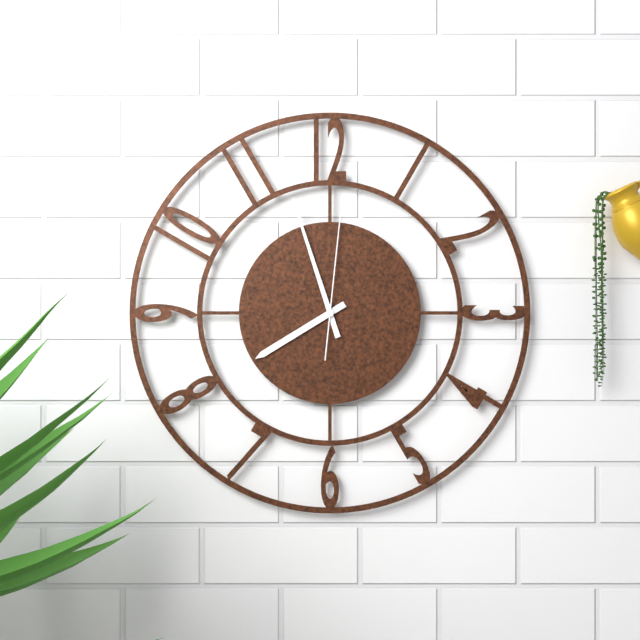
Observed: 7h57m01s
